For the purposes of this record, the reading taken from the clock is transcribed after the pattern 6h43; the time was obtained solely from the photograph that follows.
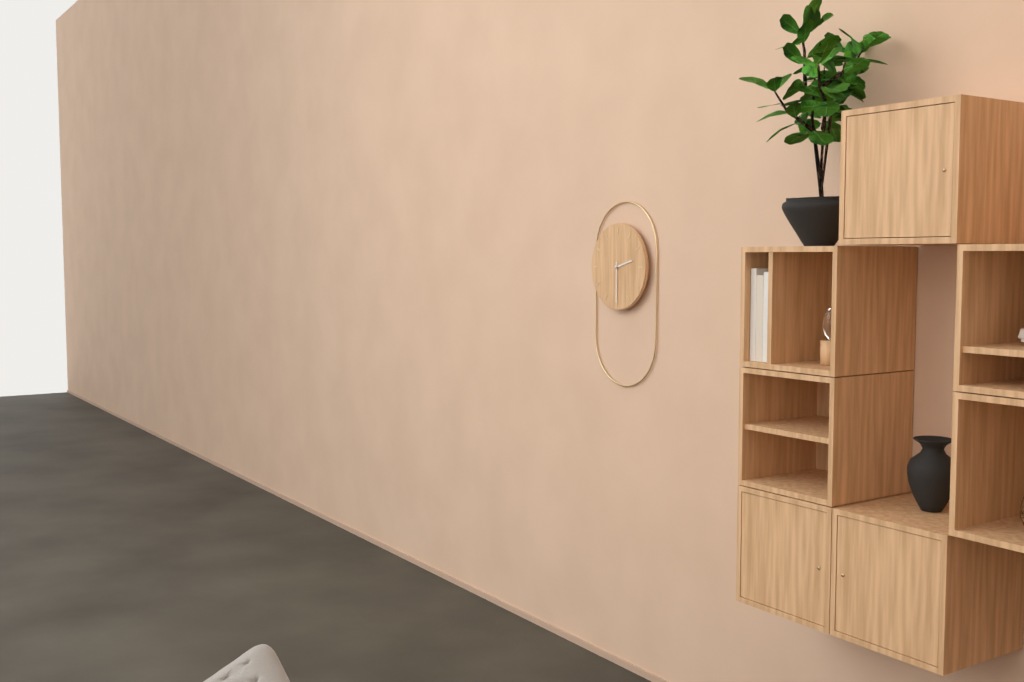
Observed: 2h30
